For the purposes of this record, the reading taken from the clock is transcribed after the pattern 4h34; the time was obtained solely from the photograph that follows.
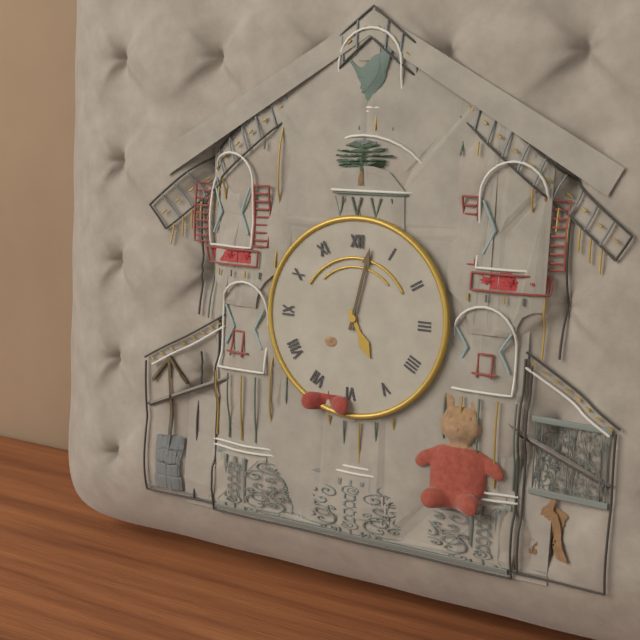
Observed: 5h02
